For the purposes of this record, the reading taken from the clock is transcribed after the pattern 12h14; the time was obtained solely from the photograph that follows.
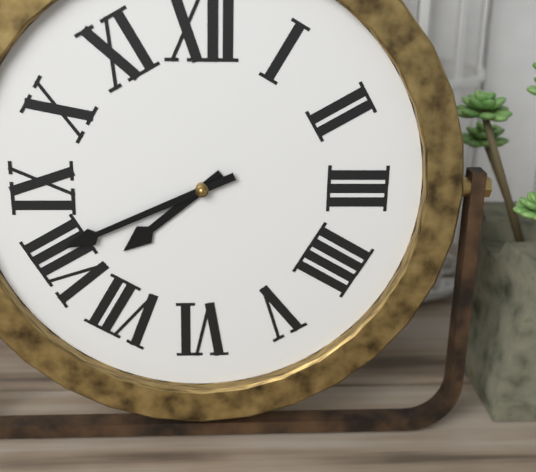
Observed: 7h41
